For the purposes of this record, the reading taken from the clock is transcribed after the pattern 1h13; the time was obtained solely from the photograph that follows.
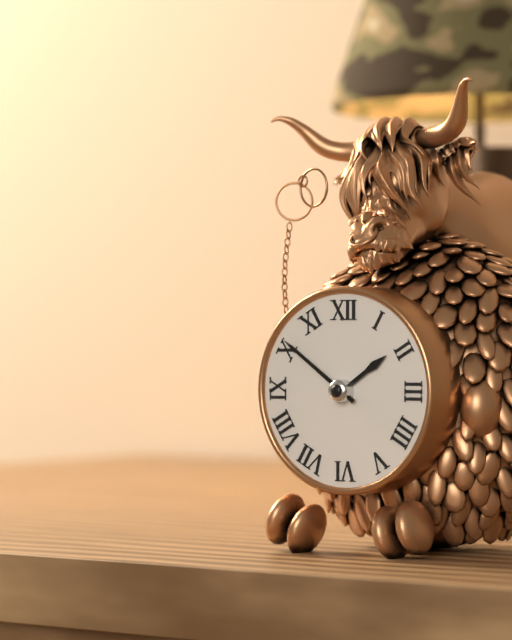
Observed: 1h51
